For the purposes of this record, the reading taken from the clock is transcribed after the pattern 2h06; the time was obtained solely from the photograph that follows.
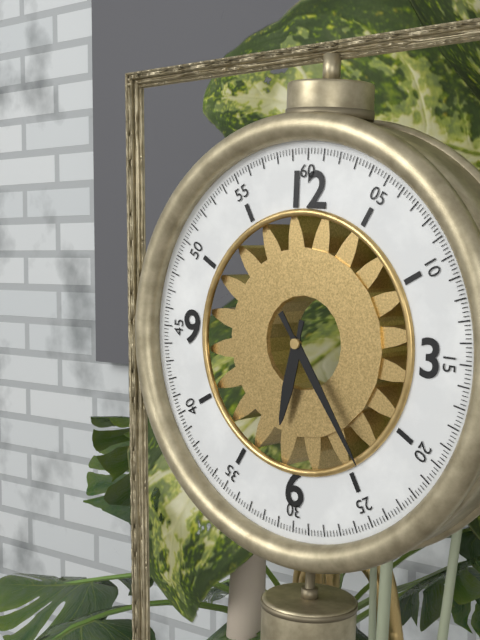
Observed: 6h24
